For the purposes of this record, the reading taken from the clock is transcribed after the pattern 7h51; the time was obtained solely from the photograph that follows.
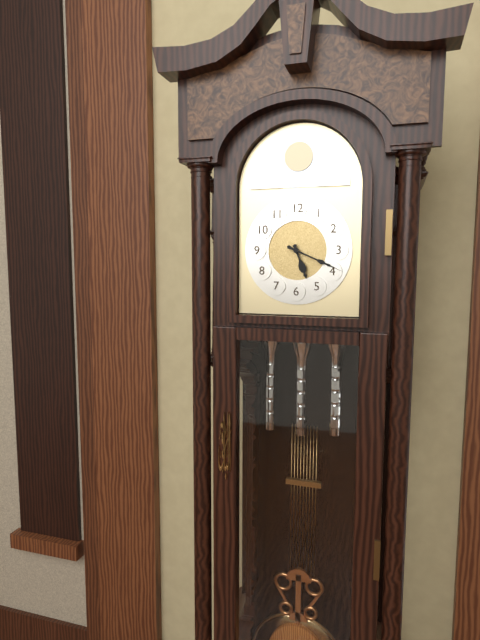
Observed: 5h19
